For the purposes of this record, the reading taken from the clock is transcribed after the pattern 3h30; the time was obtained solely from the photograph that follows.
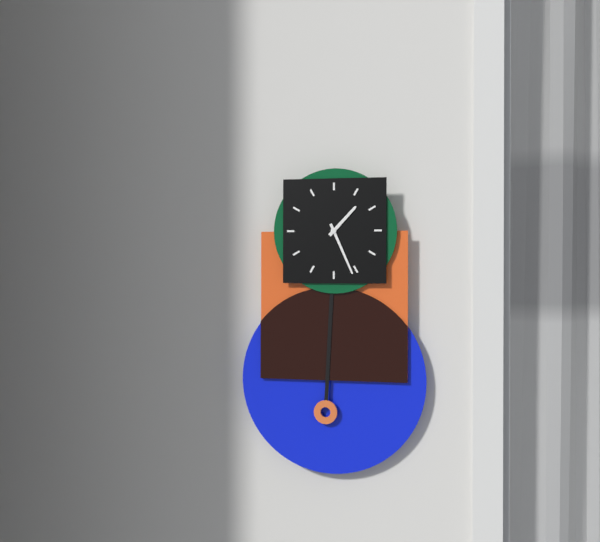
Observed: 1h26
